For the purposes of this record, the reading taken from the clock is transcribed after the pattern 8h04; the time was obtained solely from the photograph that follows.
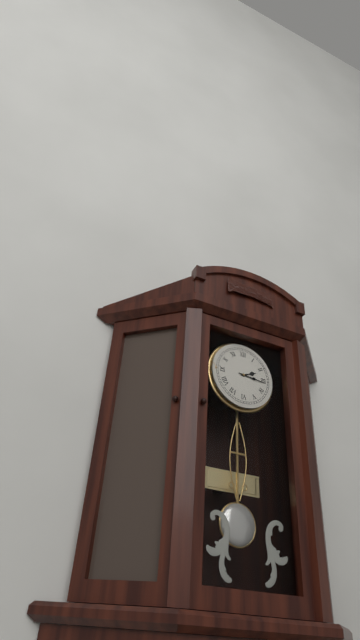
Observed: 2h16
